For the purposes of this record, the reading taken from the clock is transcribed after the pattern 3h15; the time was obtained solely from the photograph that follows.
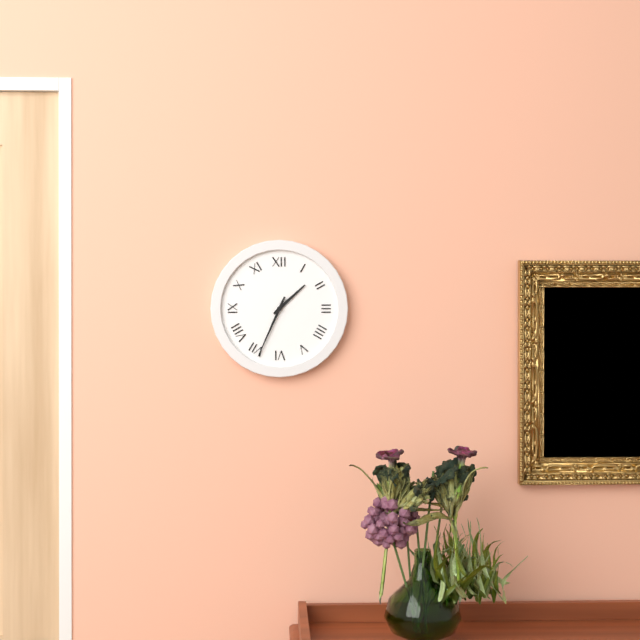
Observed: 1h34
